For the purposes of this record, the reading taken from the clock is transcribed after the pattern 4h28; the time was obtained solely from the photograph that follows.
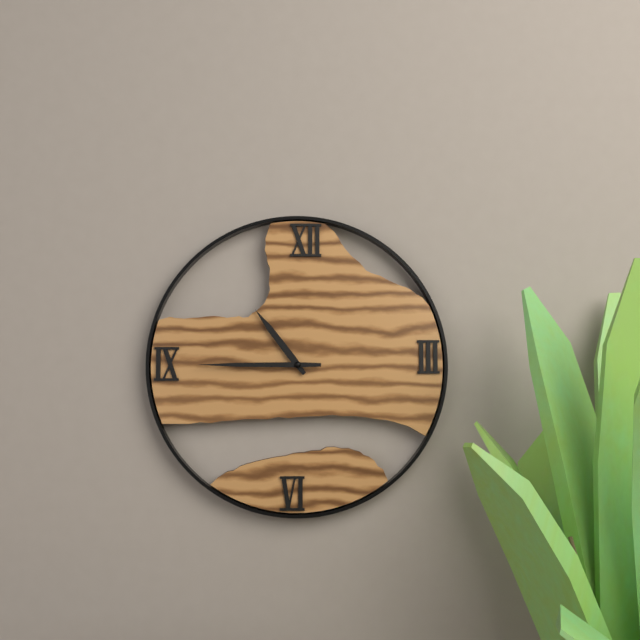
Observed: 10h45
